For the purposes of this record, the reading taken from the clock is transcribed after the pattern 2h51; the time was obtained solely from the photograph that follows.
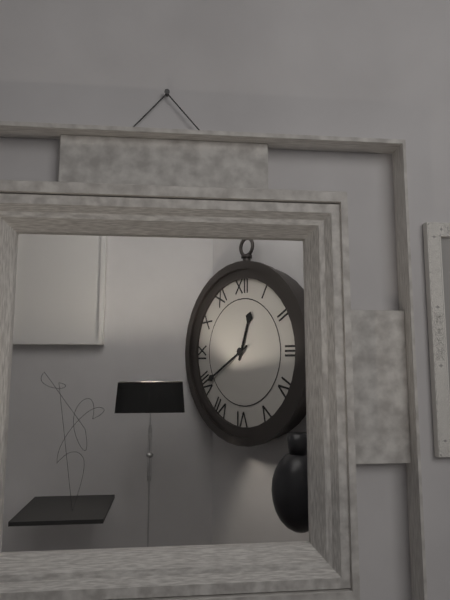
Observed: 12h40
